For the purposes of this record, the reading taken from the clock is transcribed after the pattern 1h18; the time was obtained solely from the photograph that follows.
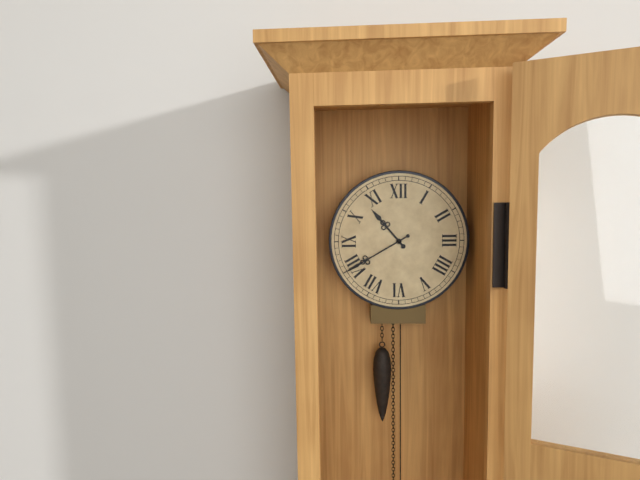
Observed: 10h40
